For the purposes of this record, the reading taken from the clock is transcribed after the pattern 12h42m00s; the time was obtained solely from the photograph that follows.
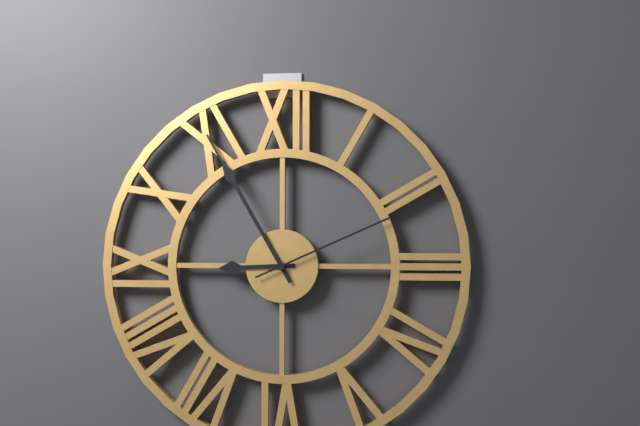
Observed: 8h55m11s
